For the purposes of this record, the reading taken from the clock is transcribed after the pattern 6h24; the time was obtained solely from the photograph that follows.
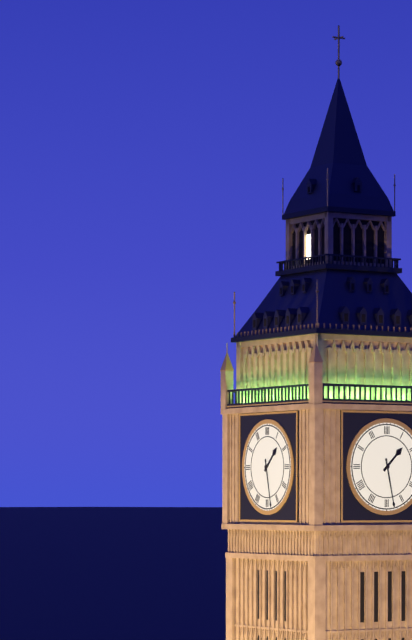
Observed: 1h28
